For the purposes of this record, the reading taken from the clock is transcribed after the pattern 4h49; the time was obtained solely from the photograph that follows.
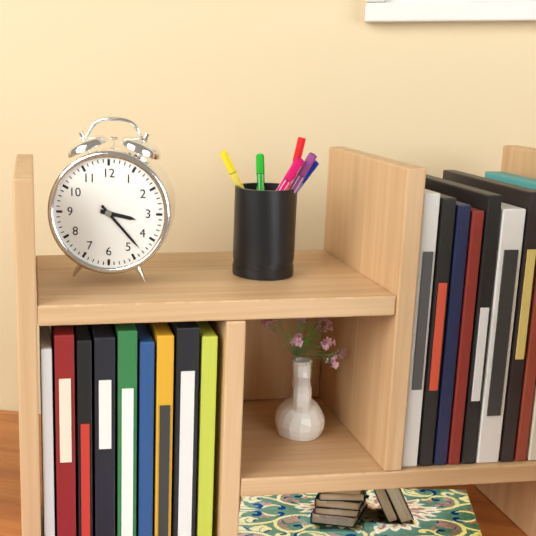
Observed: 3h23
